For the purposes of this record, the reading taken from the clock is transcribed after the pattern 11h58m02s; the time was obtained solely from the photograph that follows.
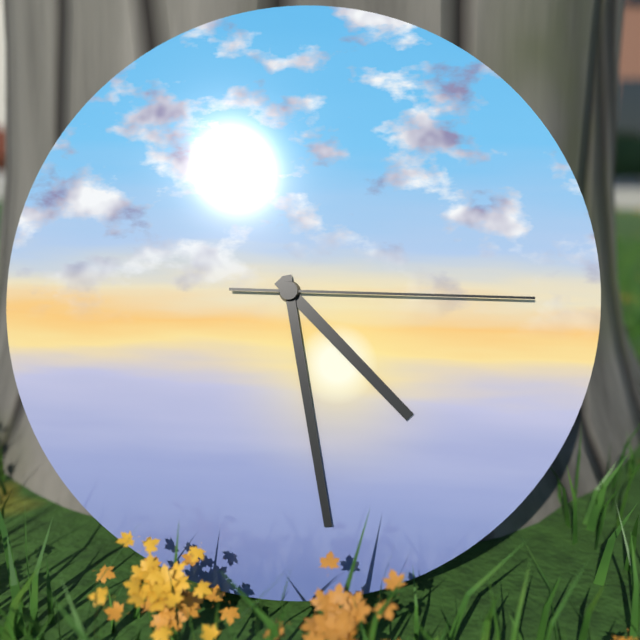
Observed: 4h28m15s
